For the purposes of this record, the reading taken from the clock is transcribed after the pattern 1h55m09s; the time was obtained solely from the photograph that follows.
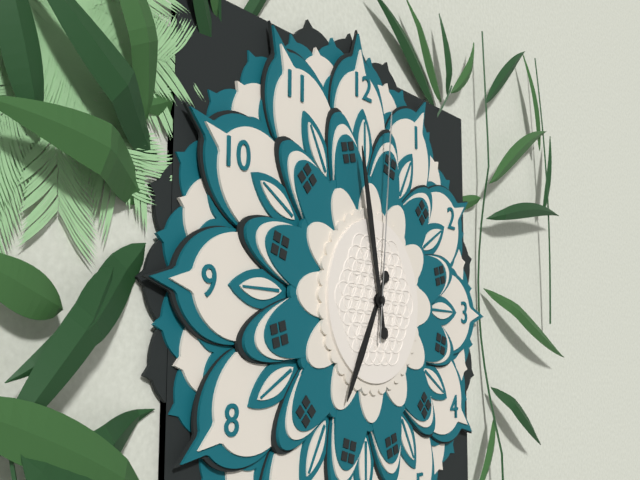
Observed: 6h58m01s
